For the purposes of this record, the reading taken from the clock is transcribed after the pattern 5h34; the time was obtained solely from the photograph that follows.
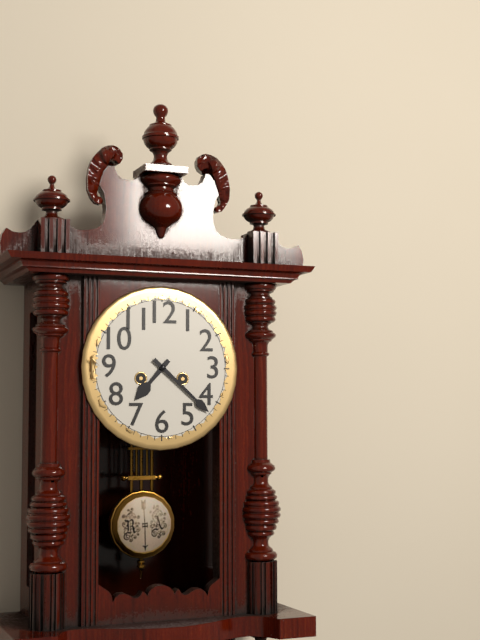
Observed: 7h22
